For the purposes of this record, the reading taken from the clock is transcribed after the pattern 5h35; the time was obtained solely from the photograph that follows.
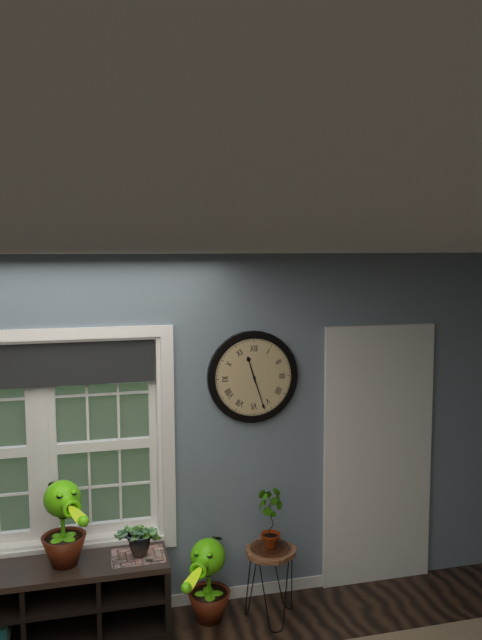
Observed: 11h27
